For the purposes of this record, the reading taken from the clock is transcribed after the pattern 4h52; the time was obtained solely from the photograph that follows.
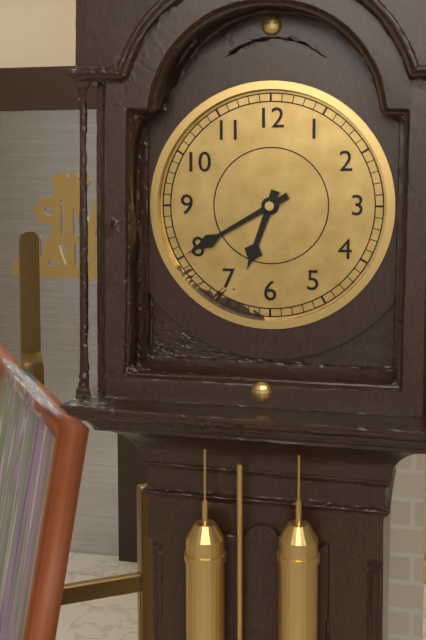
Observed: 6h40
